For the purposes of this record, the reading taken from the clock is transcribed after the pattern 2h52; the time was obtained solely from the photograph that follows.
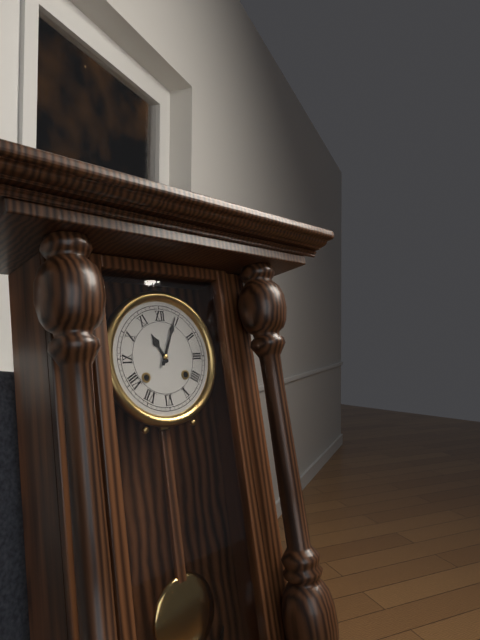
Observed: 11h04
